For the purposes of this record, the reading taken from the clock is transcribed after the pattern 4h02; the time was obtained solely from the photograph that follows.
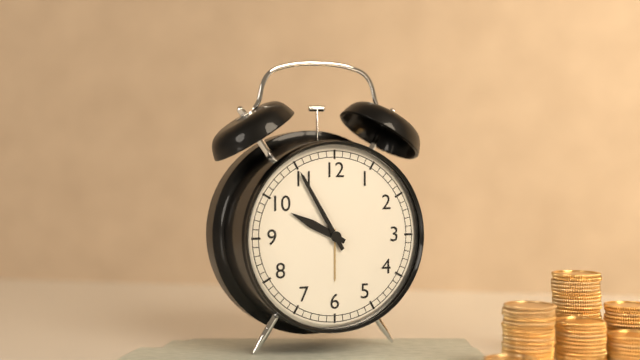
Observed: 9h55
